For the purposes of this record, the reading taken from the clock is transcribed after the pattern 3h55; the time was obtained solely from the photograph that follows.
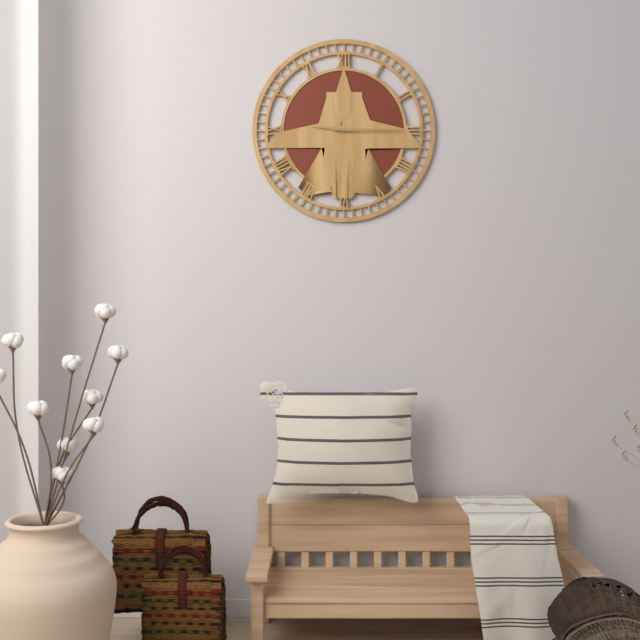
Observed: 9h15
